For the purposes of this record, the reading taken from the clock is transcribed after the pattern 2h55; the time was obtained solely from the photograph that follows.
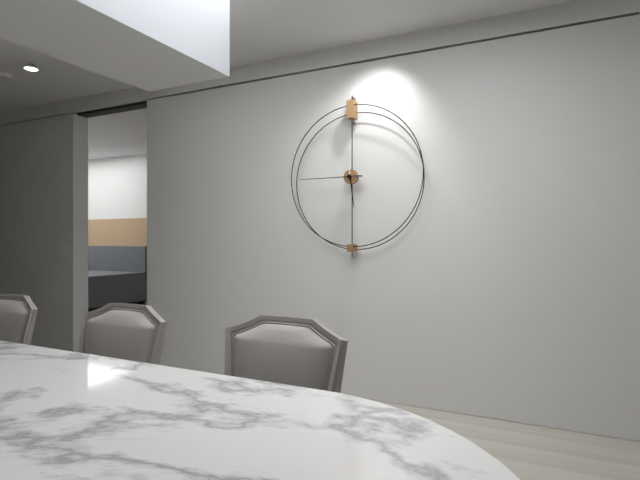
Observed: 5h45
